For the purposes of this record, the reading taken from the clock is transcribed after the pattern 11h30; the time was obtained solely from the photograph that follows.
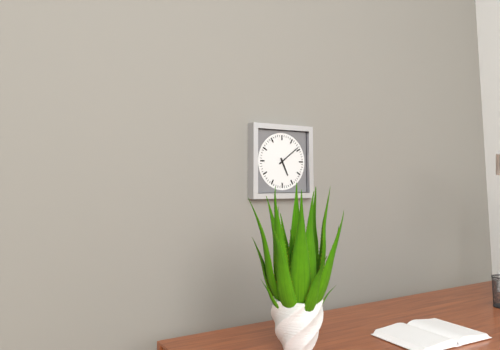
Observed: 5h09
